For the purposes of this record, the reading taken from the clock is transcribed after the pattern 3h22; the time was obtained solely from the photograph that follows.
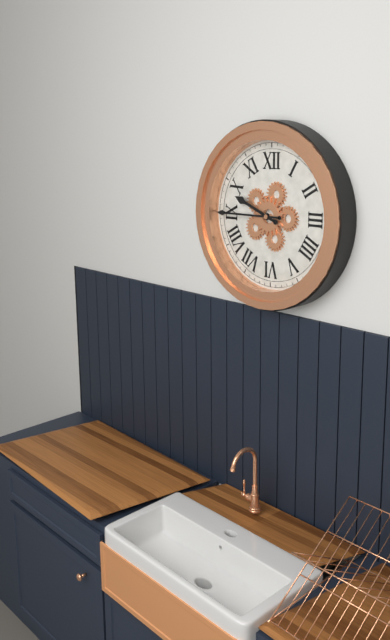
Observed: 9h45
